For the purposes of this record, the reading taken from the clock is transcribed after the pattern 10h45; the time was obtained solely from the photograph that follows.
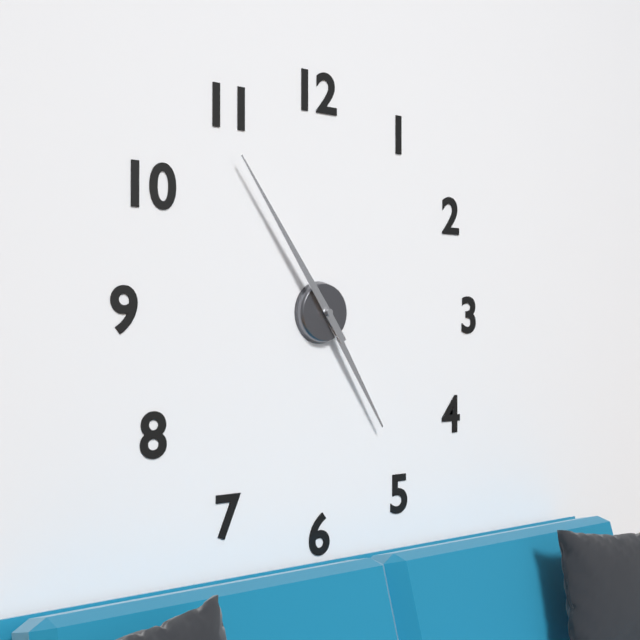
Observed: 4h54
